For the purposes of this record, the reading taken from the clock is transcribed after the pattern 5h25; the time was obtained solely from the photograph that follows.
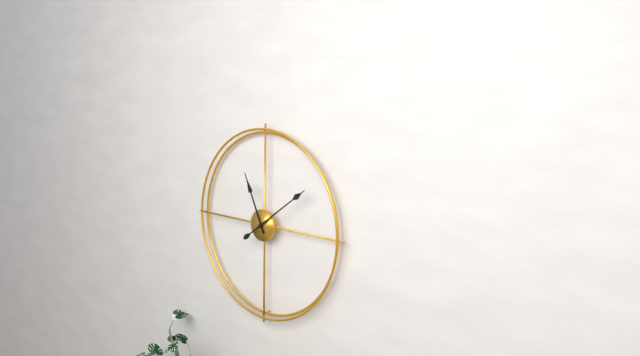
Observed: 11h09
